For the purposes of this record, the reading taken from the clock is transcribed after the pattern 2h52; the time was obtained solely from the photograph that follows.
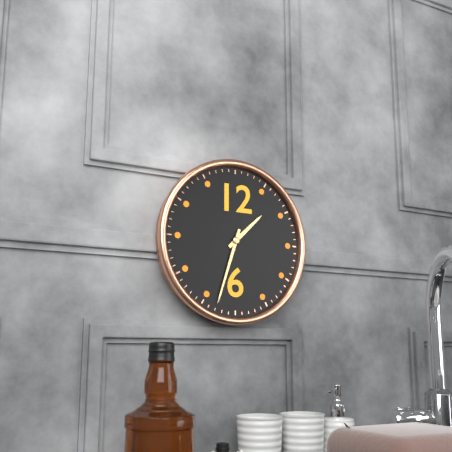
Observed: 1h33
